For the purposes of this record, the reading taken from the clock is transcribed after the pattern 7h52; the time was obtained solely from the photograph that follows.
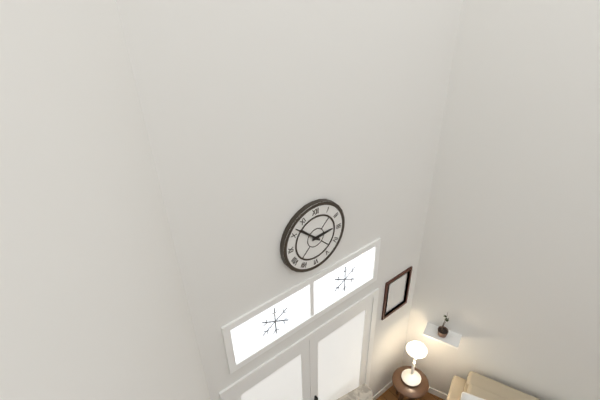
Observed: 2h52
